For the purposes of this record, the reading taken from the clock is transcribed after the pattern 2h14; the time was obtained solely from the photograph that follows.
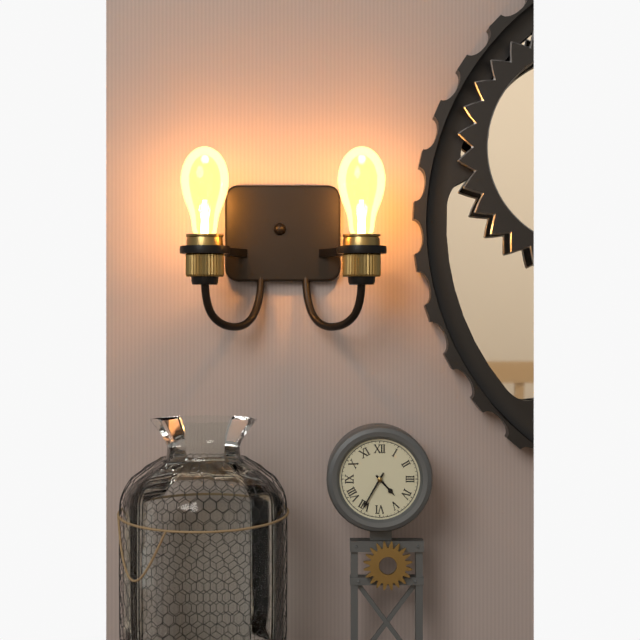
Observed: 4h35
